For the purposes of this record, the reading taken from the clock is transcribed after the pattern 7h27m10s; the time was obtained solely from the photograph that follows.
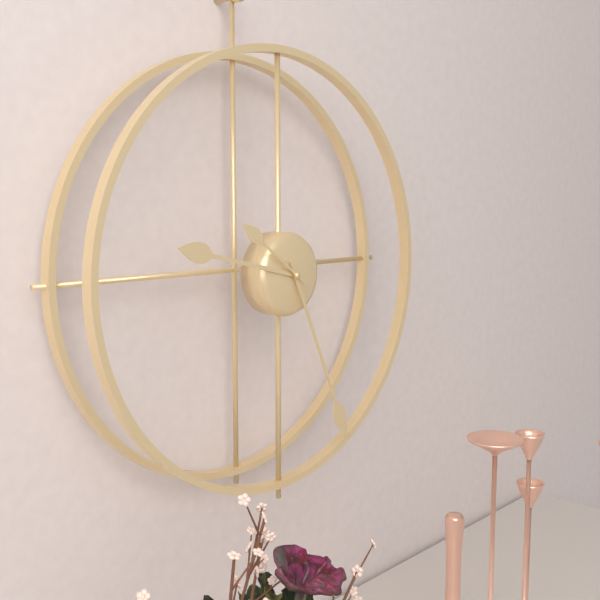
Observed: 9h26m51s
